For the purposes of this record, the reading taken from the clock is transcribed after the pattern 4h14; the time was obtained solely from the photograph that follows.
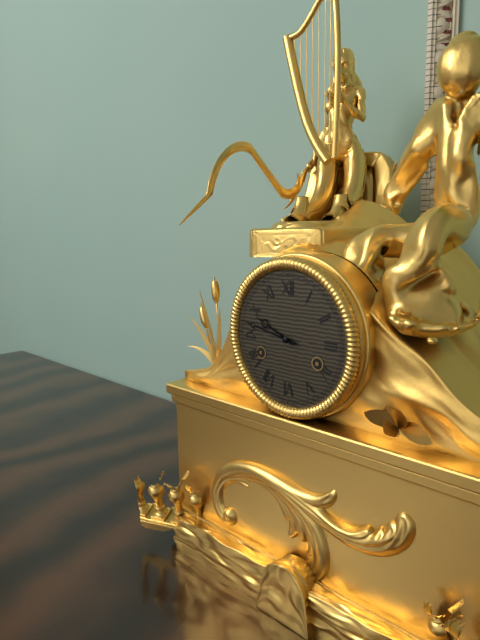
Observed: 9h47
